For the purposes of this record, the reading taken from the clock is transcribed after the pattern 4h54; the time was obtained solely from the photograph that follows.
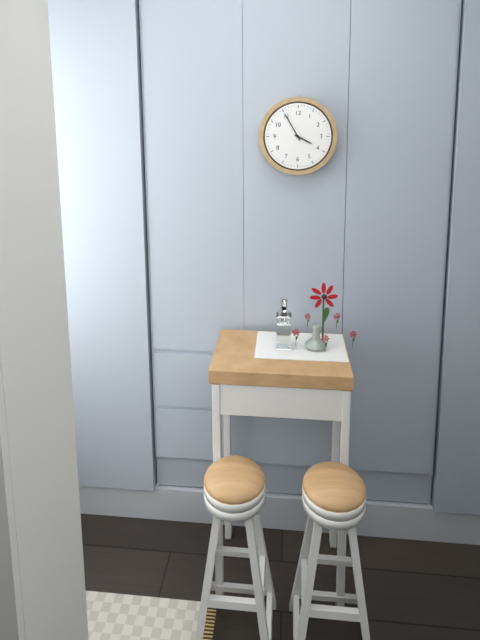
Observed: 3h55
